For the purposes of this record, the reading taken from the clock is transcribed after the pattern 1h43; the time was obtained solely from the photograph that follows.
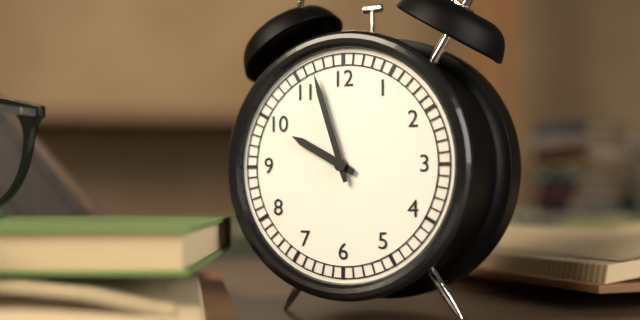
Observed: 9h57
